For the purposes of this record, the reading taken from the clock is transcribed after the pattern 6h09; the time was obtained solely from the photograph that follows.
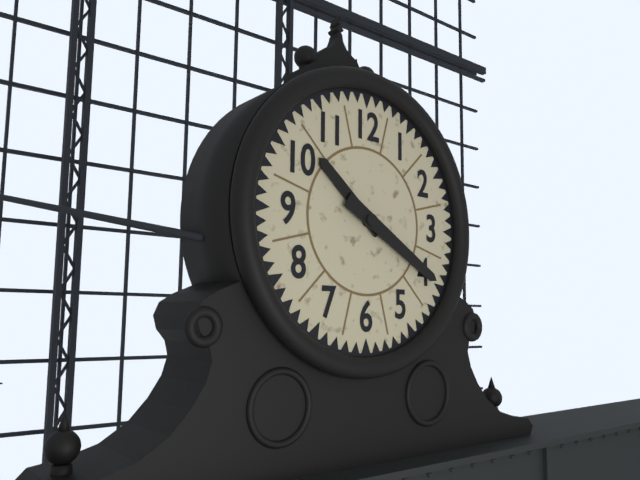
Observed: 10h20
